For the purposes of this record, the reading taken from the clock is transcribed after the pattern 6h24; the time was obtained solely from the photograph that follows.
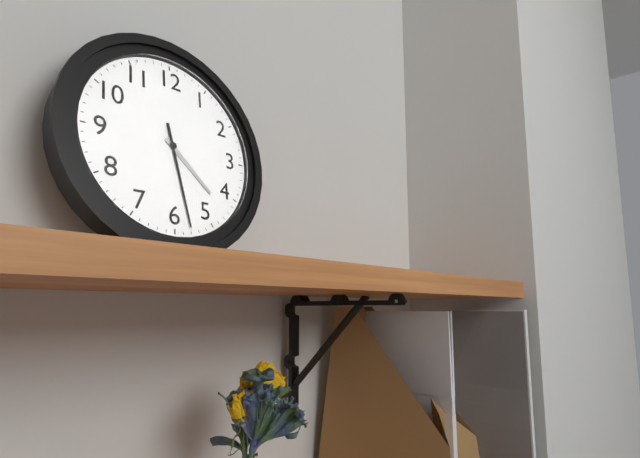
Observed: 4h28
